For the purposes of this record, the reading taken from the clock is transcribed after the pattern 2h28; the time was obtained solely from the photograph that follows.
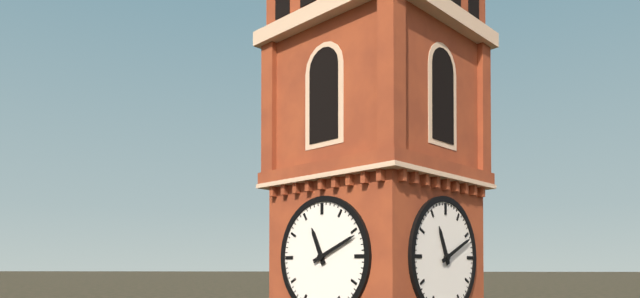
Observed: 11h11
